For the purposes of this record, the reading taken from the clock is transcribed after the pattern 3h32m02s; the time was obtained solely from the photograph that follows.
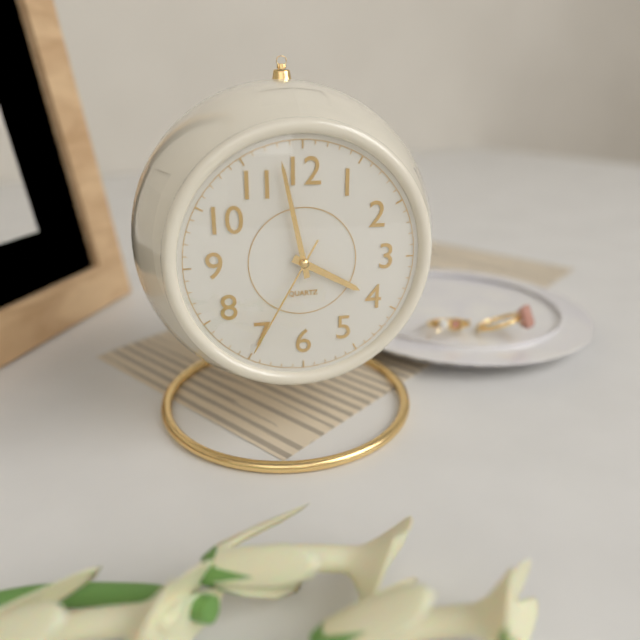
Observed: 3h58m35s
